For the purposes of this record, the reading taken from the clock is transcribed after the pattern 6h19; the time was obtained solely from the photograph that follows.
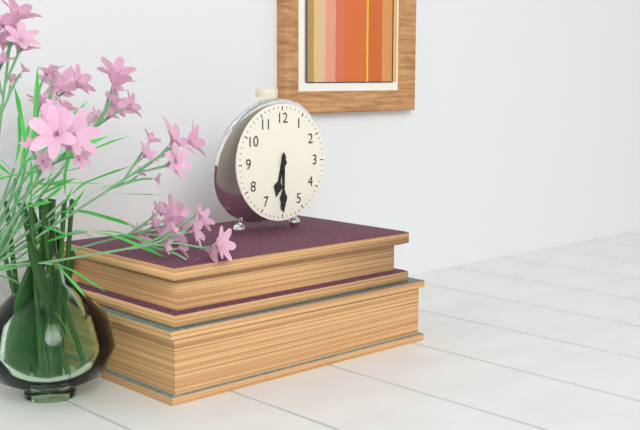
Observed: 6h30
